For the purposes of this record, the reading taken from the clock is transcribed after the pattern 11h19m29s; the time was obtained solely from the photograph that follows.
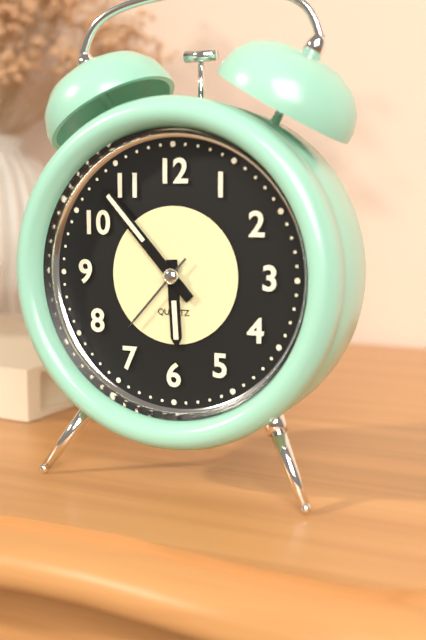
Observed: 5h53m37s
